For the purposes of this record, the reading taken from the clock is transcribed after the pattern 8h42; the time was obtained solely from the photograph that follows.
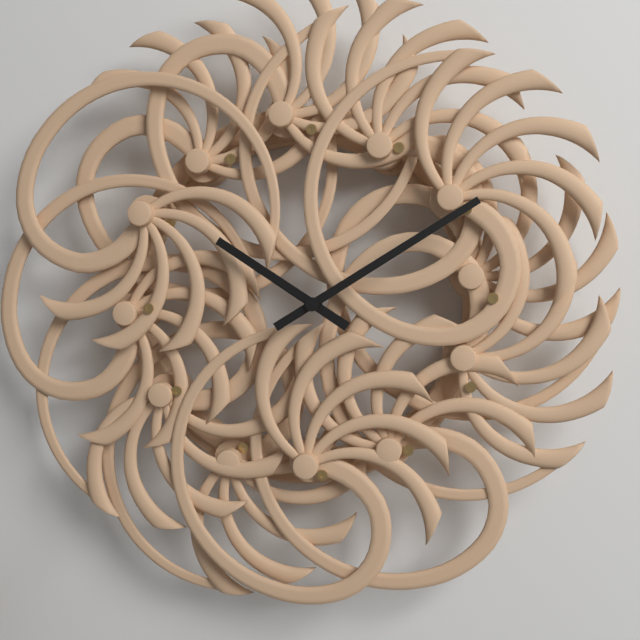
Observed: 10h10
